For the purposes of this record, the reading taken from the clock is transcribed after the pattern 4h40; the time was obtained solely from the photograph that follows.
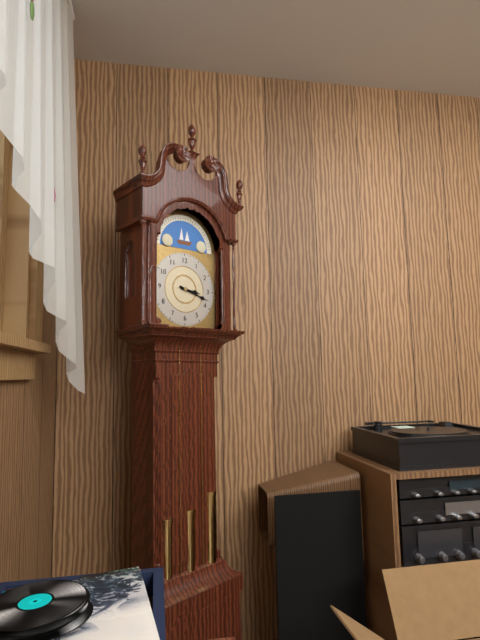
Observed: 3h18
